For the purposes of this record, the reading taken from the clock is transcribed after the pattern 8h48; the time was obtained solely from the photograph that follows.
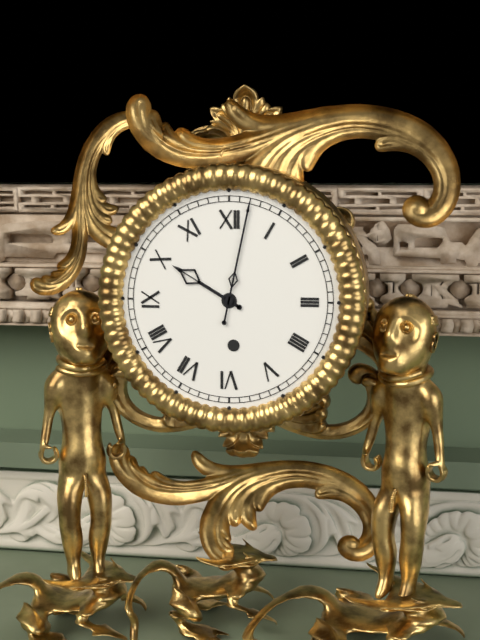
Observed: 10h02
